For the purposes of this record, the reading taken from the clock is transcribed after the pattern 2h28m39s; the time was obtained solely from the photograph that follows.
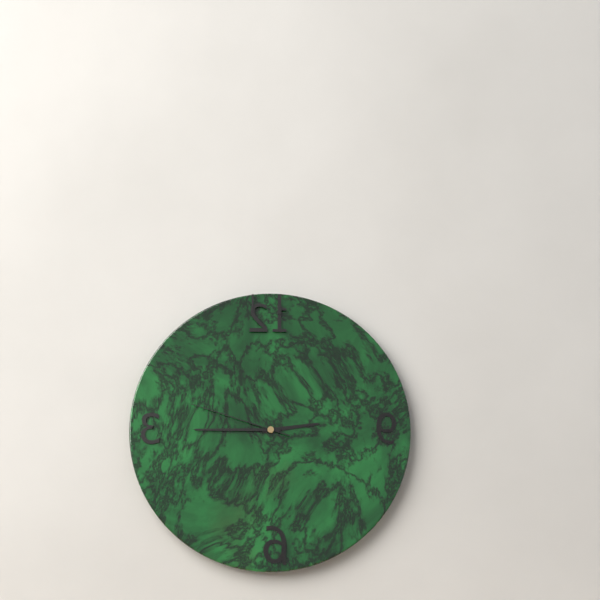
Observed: 2h45m48s
